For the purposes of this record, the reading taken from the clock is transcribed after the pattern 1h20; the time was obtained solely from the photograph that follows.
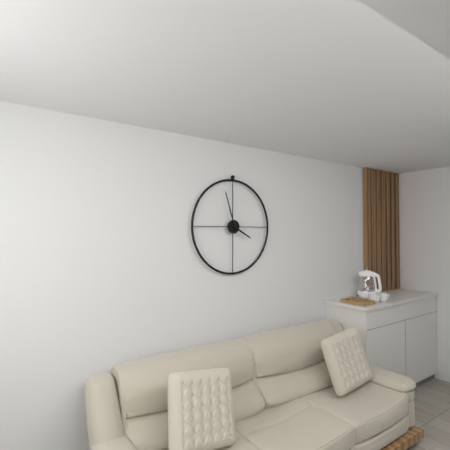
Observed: 3h57
